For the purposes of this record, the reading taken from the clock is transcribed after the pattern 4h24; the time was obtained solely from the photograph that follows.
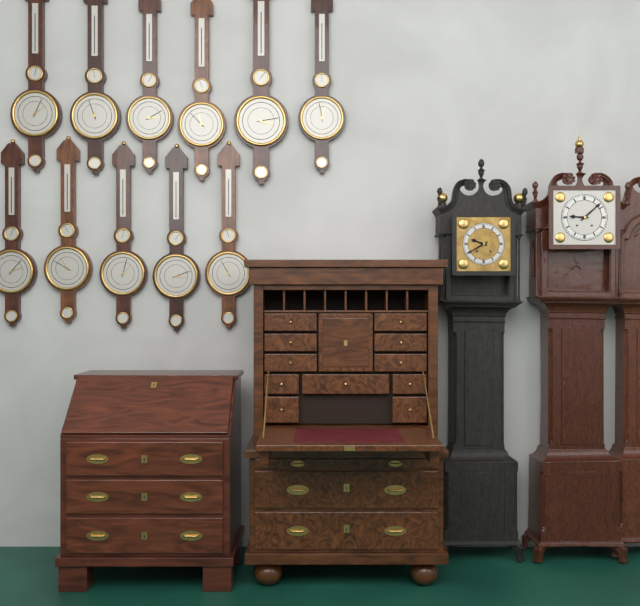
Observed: 9h08
